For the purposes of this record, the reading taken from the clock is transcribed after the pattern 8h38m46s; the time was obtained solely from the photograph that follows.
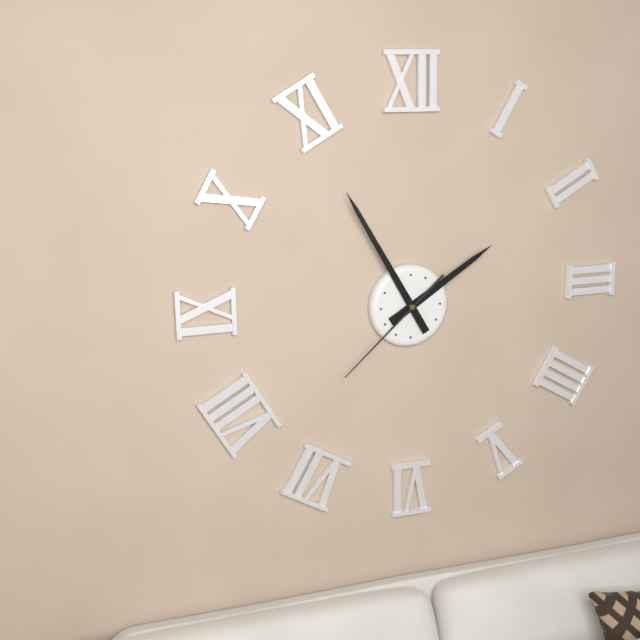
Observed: 1h55m38s
